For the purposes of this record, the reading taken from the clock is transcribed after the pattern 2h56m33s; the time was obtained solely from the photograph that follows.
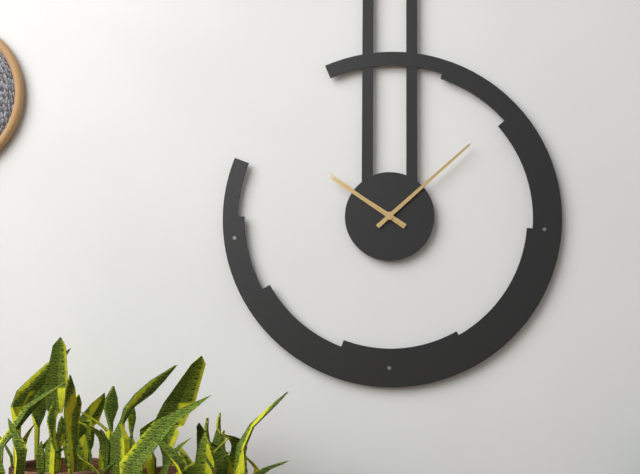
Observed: 10h08m51s
